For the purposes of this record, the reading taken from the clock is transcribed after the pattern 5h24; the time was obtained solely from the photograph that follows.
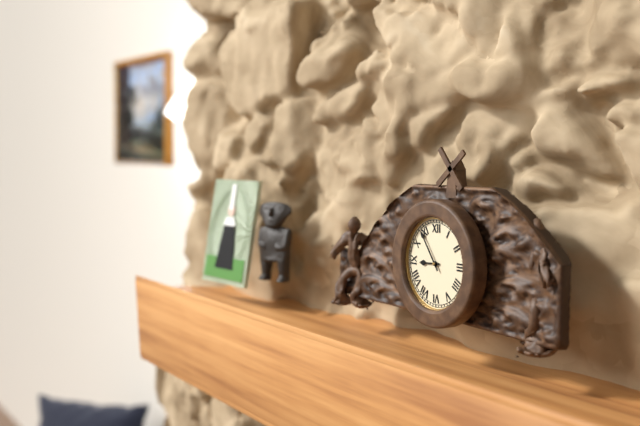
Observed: 8h54
